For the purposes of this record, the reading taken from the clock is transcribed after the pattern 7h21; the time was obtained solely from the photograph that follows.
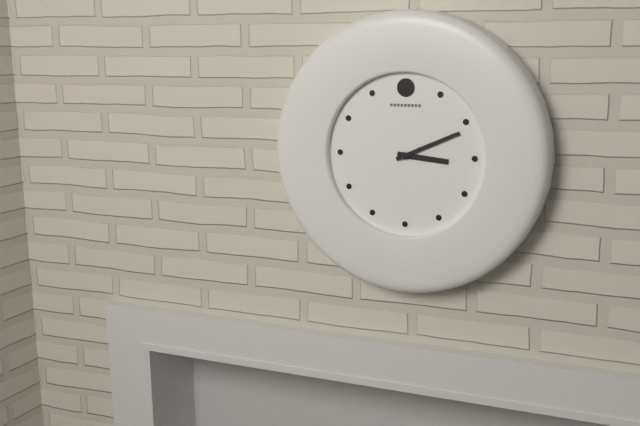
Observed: 3h11
